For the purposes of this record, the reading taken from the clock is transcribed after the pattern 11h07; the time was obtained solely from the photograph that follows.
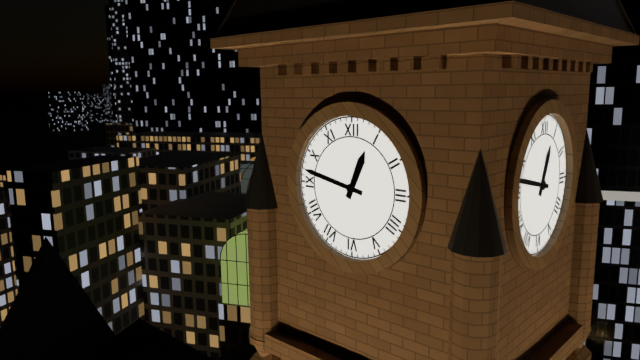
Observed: 12h47
